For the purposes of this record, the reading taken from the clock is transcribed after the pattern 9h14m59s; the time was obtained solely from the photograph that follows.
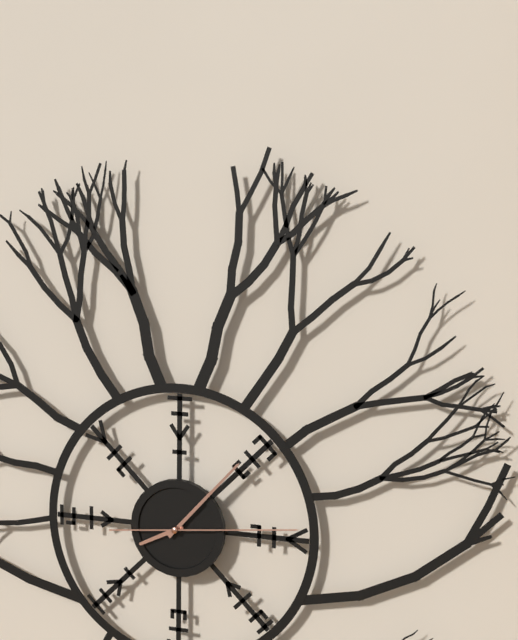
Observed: 8h07m14s
